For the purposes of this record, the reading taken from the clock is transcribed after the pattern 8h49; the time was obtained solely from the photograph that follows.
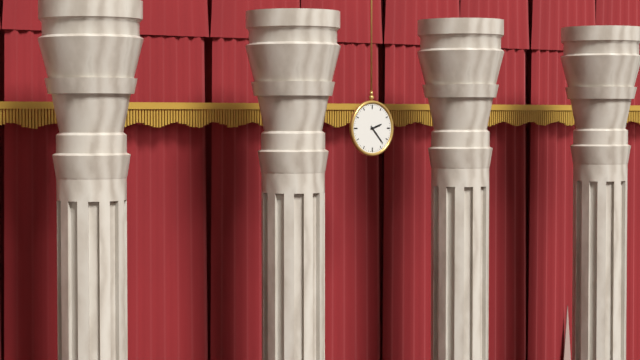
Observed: 2h23
